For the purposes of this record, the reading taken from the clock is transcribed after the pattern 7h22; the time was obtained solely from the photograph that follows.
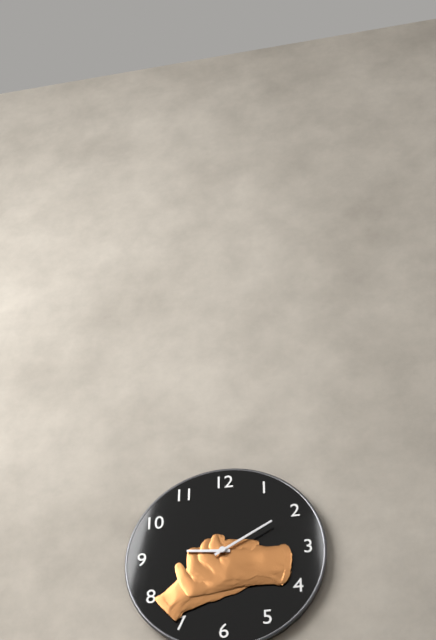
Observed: 9h10
